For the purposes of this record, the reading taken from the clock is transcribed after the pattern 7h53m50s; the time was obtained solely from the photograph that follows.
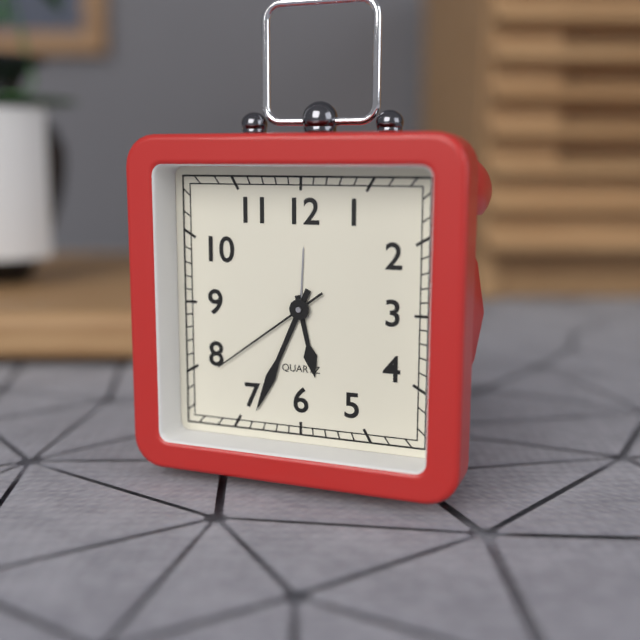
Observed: 5h34m39s
